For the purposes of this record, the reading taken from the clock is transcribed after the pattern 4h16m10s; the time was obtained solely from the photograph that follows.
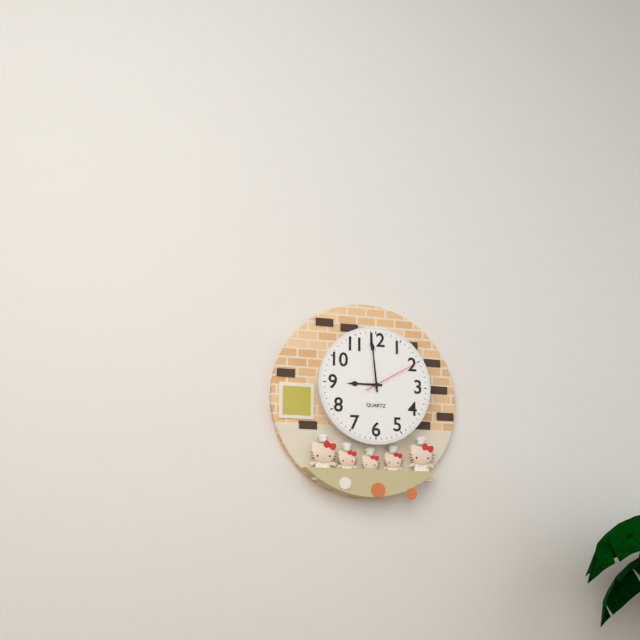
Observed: 8h59m10s
